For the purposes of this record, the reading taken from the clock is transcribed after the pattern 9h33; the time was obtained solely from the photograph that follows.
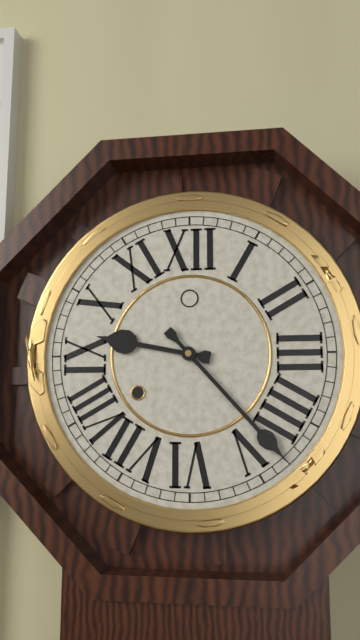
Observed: 9h23
